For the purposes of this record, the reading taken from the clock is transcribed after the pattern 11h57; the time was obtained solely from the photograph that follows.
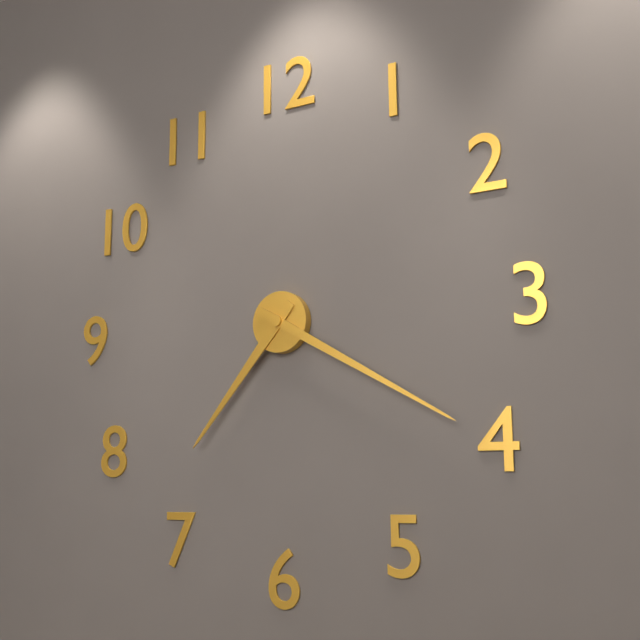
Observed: 7h20
